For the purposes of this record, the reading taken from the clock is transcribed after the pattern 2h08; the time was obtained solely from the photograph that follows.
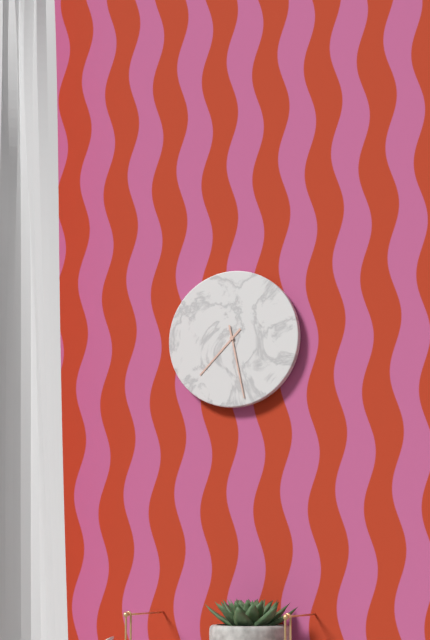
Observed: 7h28
